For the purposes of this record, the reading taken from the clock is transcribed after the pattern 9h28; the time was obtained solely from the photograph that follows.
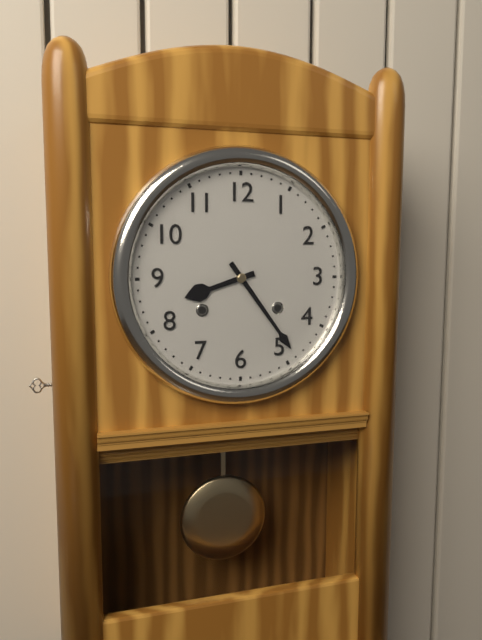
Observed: 8h24
